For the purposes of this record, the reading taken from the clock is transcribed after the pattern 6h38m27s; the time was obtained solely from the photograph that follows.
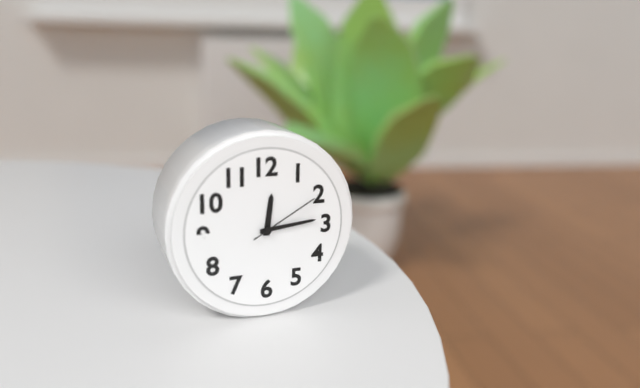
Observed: 12h14m10s
